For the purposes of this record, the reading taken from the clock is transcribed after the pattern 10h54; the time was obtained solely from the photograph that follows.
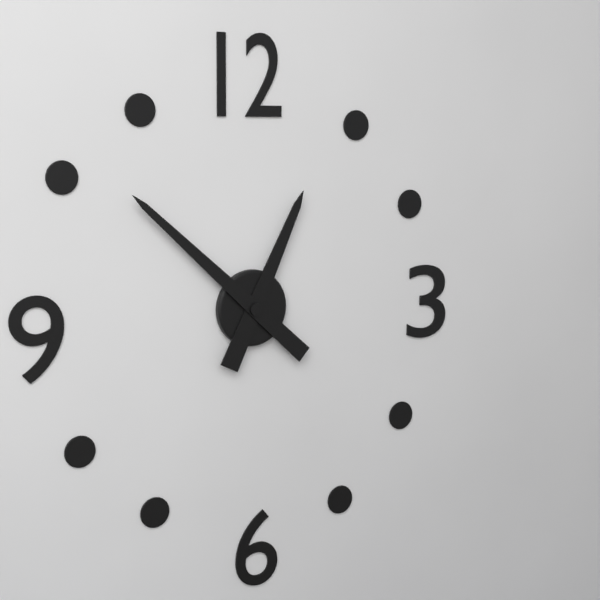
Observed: 12h52
